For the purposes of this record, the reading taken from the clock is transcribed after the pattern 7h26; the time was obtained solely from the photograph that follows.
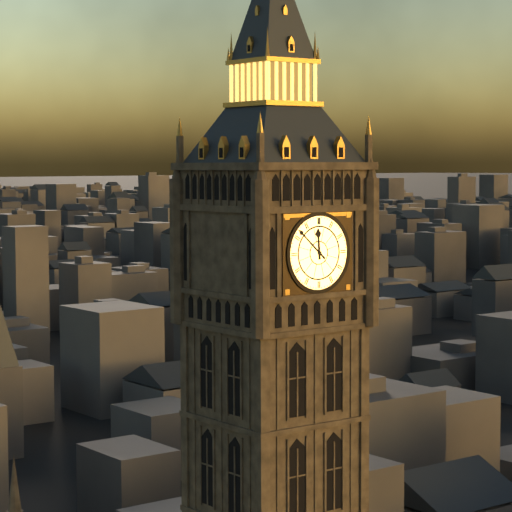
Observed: 11h52
